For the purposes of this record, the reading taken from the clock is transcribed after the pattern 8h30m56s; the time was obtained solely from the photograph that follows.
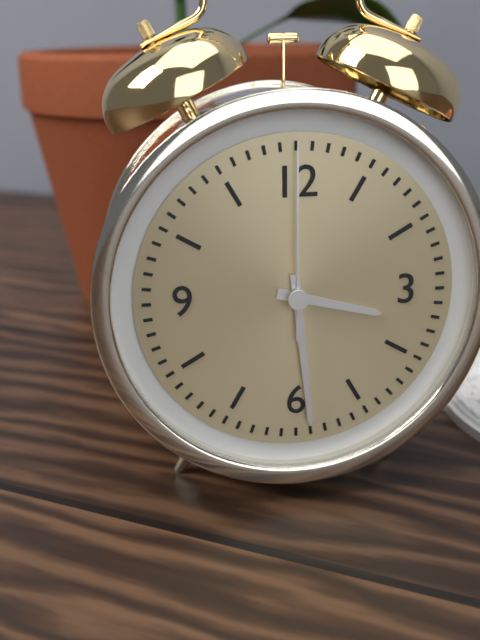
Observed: 3h29m00s
